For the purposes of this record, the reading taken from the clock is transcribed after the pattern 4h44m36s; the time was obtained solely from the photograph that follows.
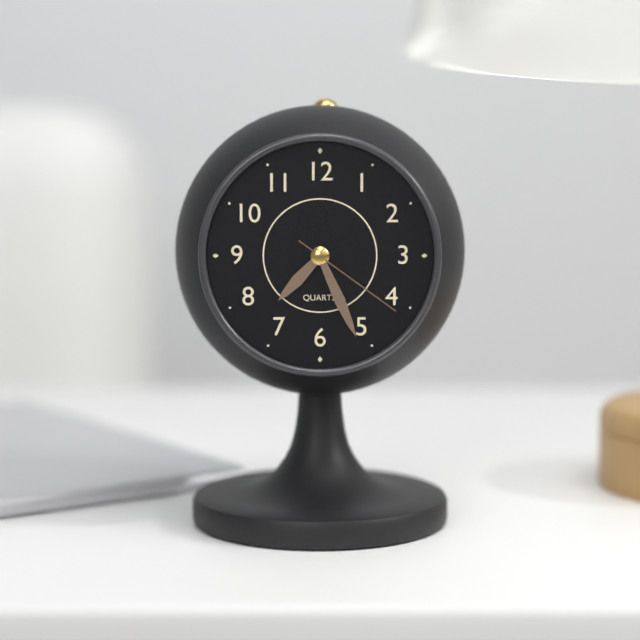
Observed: 7h26m21s
